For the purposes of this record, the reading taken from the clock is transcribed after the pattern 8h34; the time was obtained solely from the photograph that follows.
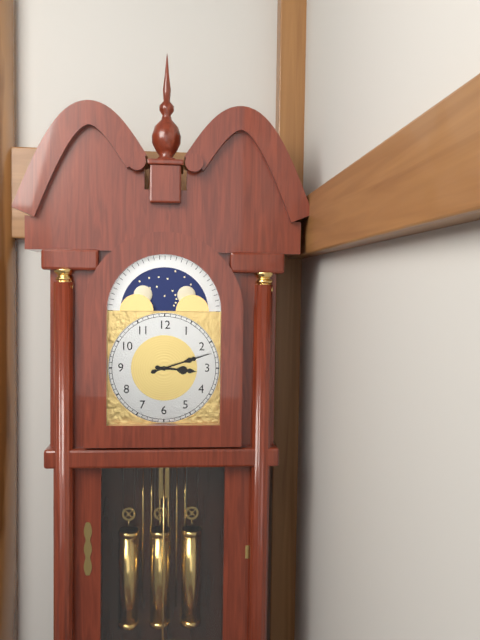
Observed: 3h12
